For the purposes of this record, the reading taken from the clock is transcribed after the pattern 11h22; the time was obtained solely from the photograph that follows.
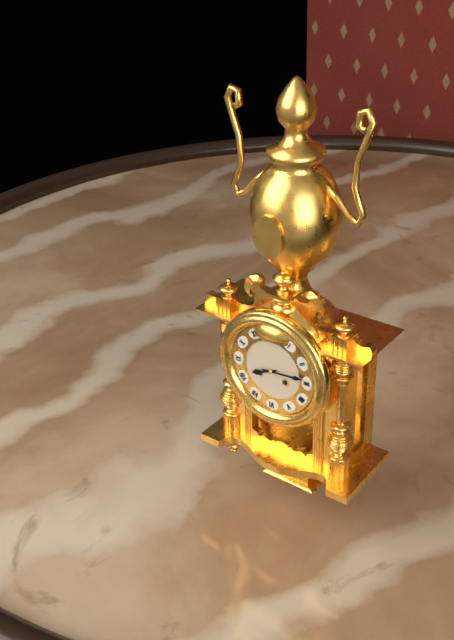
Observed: 8h14
